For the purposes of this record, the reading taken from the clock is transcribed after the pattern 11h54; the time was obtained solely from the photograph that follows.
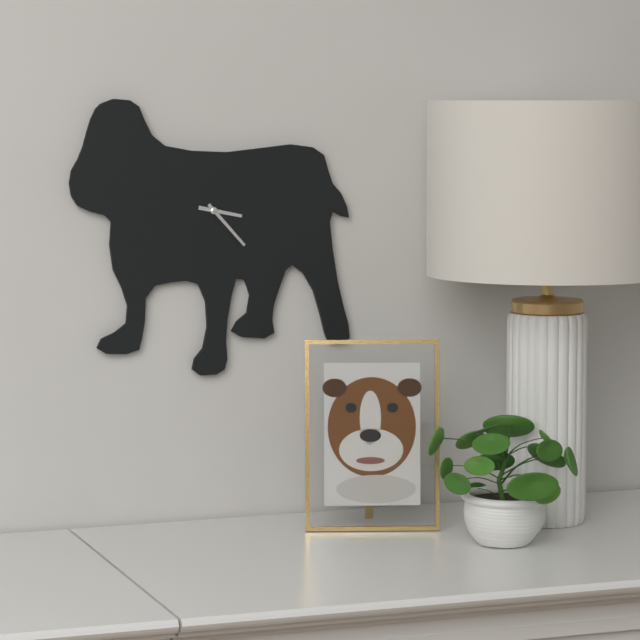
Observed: 3h23
